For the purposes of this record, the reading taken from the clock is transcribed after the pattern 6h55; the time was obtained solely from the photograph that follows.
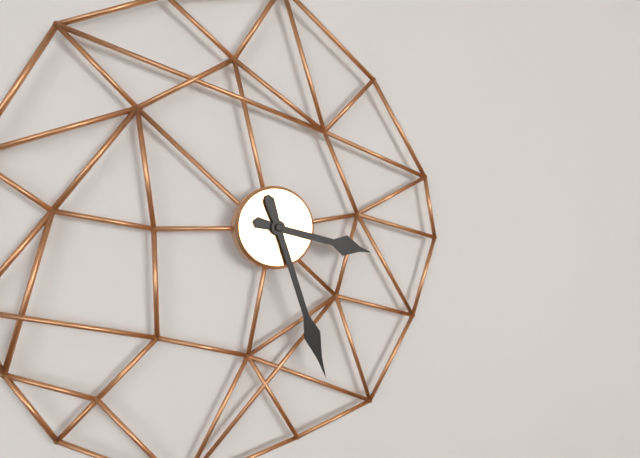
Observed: 3h27
